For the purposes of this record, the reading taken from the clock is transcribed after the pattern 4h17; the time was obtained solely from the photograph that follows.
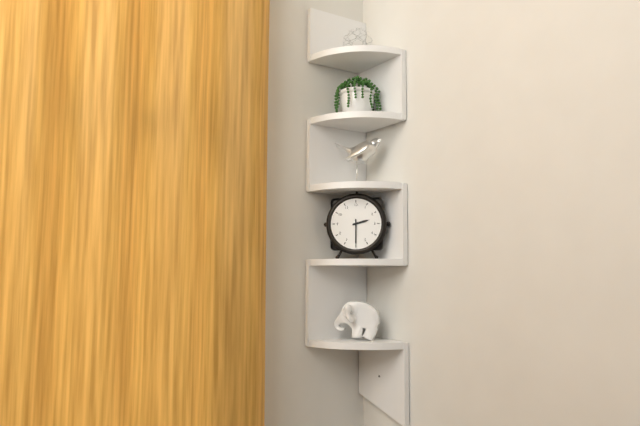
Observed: 2h30
